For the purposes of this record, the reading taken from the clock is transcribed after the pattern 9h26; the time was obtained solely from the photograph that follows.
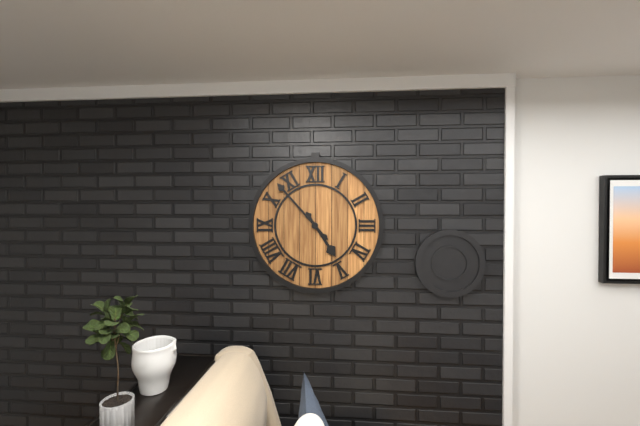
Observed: 4h53
